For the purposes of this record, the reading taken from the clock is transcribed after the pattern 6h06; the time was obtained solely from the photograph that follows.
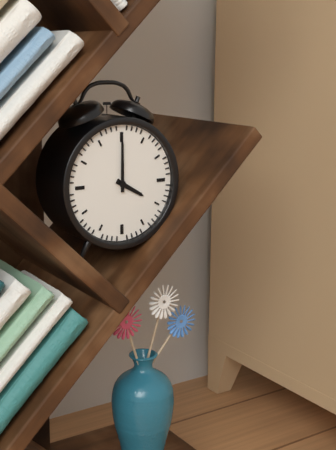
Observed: 4h00
